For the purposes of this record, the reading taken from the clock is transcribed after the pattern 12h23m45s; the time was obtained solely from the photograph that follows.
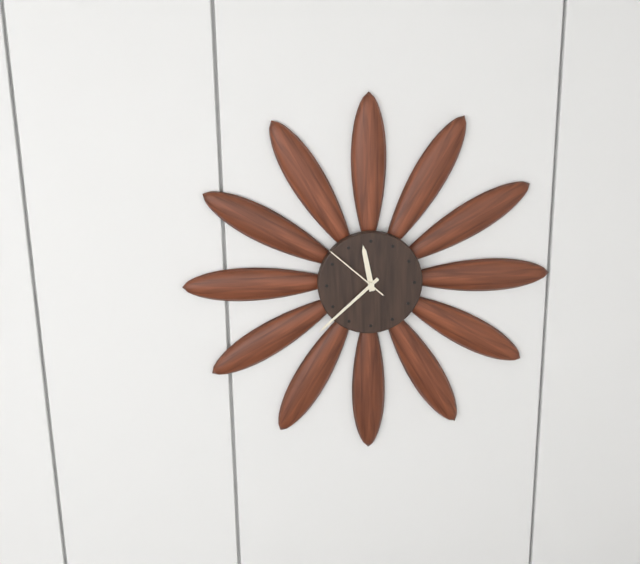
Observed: 11h38m52s
